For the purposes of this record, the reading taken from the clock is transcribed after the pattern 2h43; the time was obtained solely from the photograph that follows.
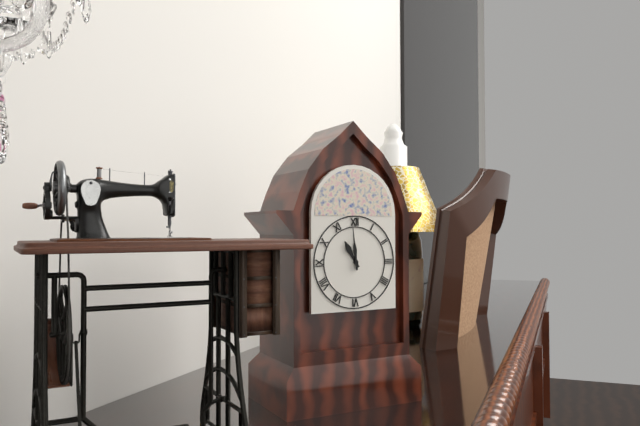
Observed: 10h59
